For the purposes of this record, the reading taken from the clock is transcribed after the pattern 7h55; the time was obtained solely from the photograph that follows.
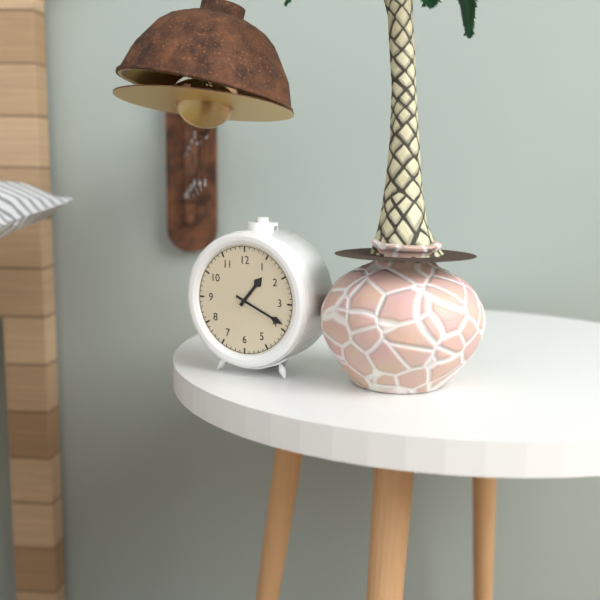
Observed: 1h19
